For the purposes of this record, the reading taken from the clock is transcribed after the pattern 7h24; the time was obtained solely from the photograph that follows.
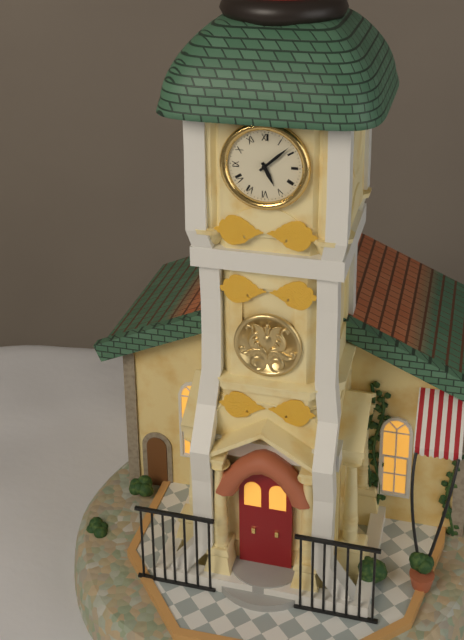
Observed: 5h08
